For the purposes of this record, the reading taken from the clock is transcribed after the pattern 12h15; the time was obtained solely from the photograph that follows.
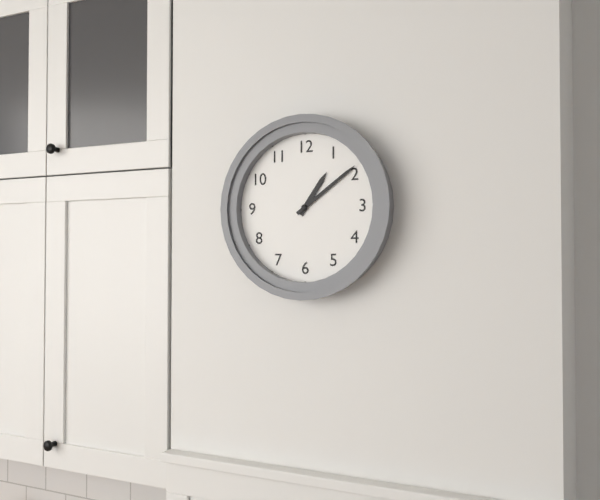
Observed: 1h09
